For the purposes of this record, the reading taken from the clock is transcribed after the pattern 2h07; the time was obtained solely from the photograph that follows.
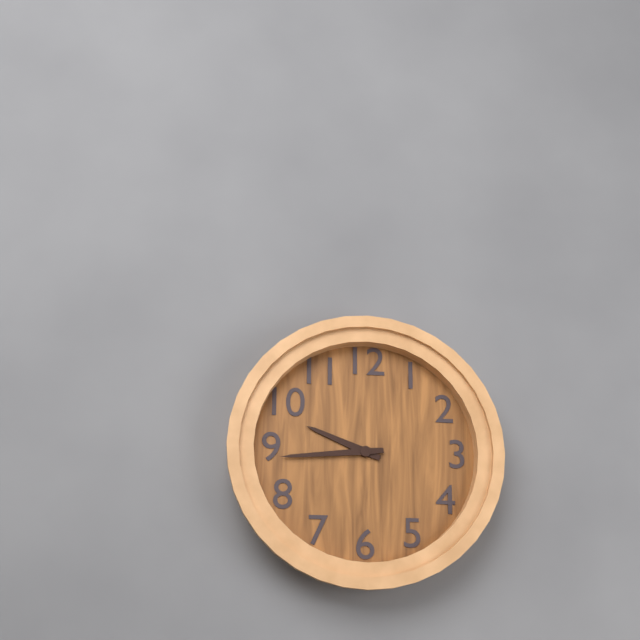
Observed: 9h44
